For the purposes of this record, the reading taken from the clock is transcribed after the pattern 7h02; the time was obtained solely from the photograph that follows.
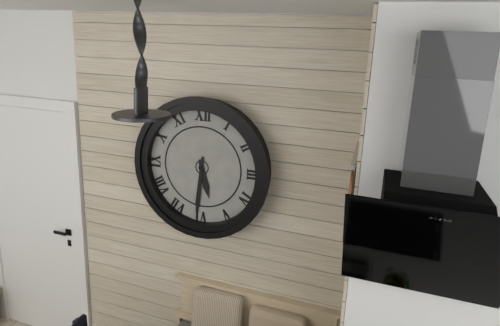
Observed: 5h31
